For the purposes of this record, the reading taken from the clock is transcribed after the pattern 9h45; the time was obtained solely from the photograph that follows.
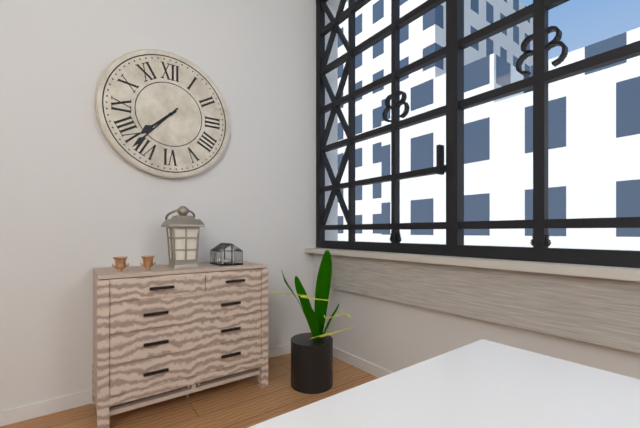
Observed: 7h37
